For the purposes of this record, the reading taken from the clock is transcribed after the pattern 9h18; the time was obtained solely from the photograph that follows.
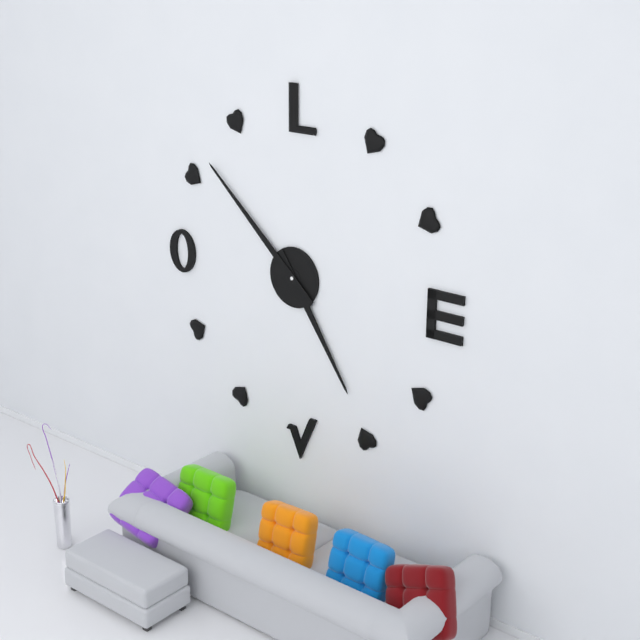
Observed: 4h52
